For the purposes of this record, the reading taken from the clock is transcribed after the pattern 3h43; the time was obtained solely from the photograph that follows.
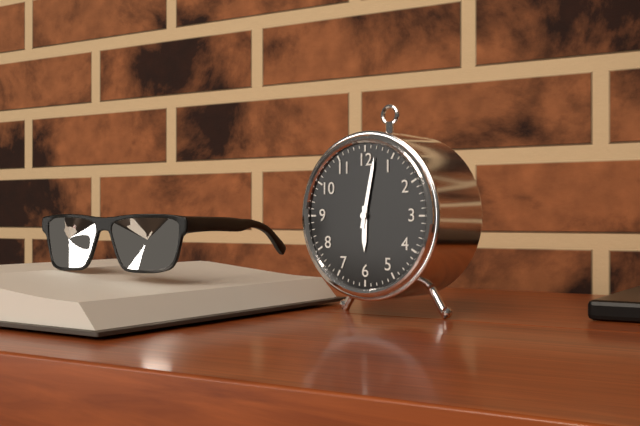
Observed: 6h02
